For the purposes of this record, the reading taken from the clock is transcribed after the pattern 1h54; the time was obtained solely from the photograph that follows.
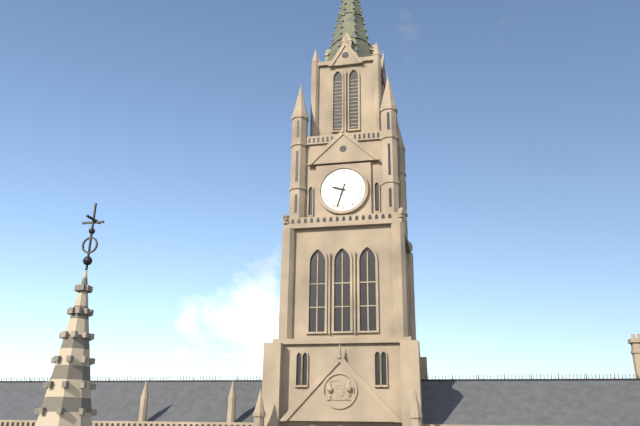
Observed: 9h33
